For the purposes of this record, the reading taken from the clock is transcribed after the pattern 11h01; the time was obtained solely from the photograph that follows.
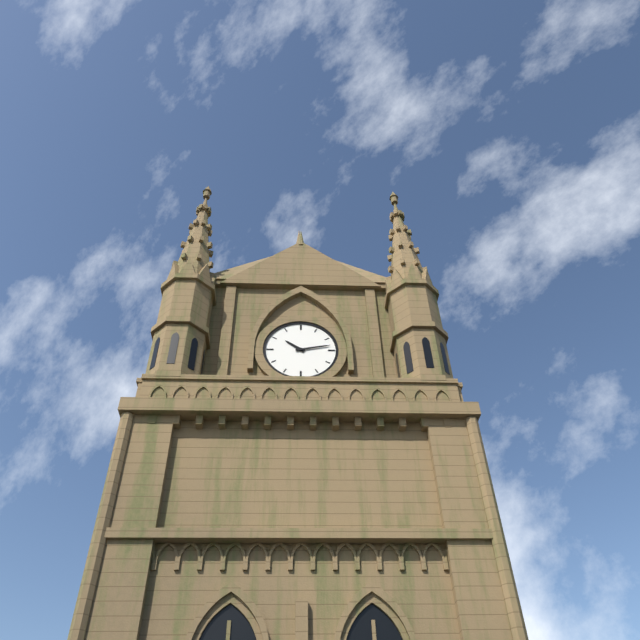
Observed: 10h13
